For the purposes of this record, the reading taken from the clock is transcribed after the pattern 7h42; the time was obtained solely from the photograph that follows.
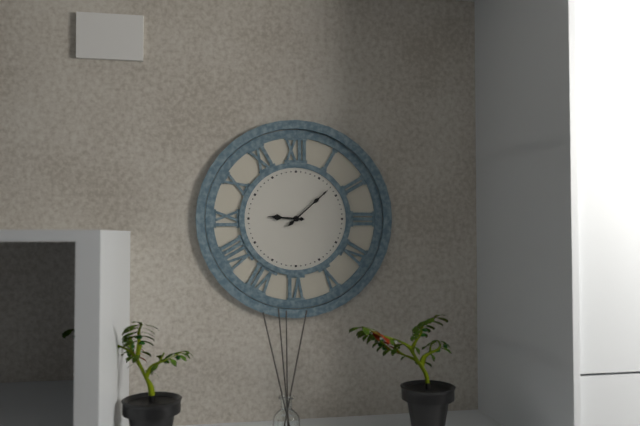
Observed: 9h08
